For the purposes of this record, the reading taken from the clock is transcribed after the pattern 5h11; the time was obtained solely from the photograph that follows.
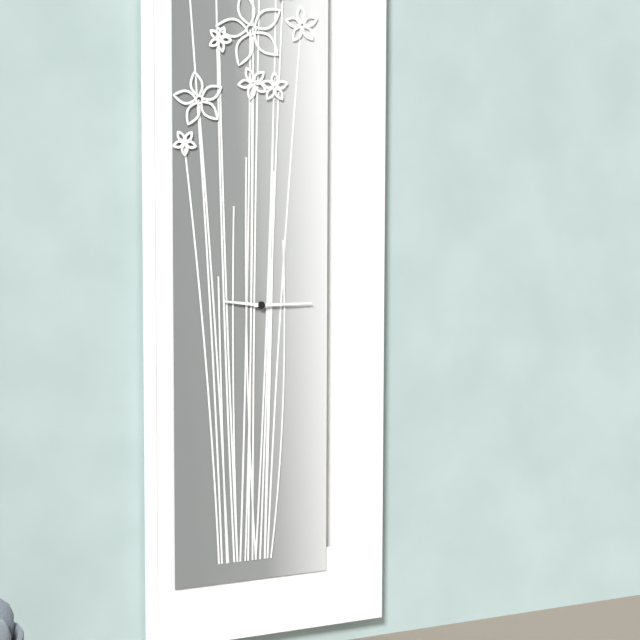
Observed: 9h15
